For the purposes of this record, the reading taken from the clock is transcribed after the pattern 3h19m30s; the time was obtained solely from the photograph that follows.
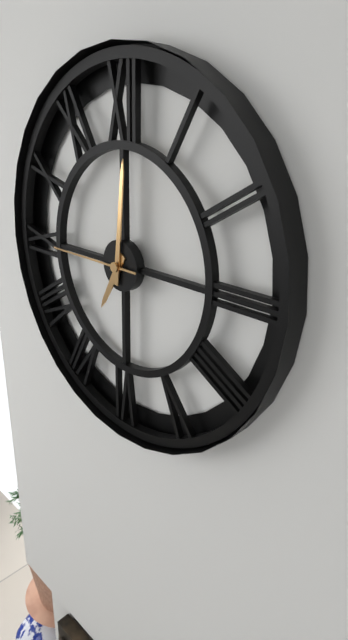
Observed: 7h01m45s
